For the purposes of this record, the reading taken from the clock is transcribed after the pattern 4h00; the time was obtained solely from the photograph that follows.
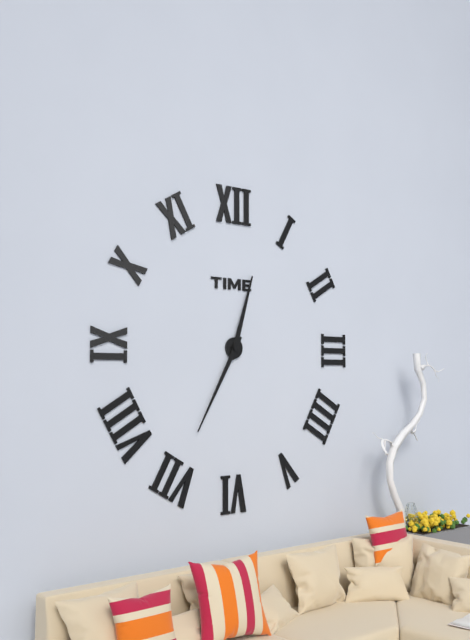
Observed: 12h35
